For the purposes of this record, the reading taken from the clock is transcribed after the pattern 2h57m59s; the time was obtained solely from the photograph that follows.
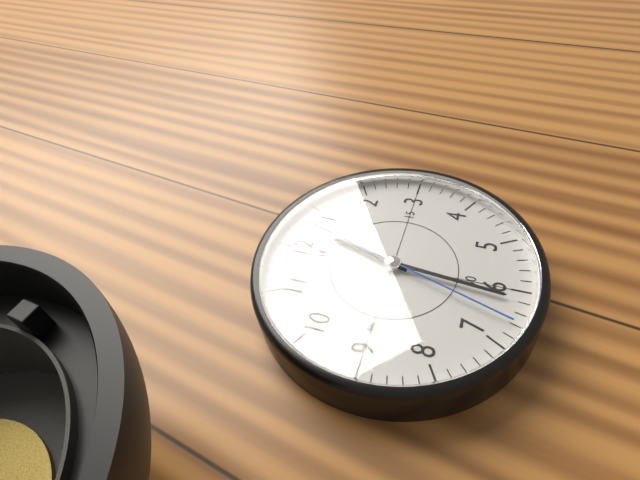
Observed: 12h31m33s
